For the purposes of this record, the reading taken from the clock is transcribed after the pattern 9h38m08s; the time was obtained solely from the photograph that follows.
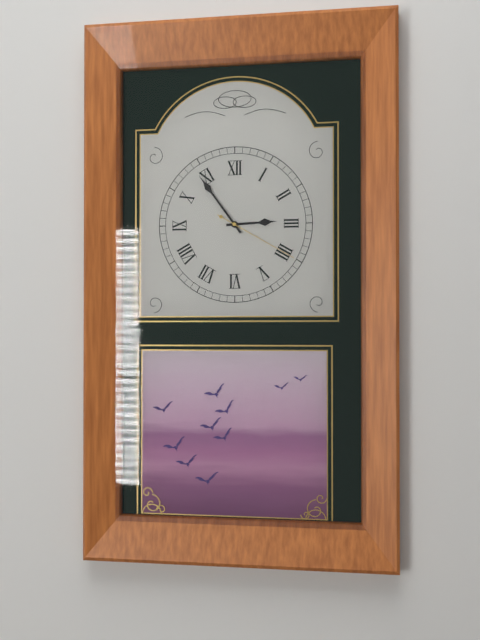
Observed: 2h54m20s
